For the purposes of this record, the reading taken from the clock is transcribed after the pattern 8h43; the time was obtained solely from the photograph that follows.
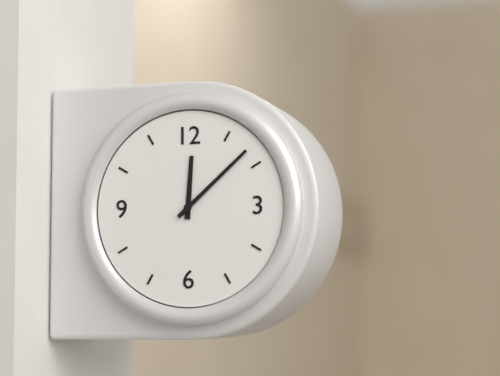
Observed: 12h08
